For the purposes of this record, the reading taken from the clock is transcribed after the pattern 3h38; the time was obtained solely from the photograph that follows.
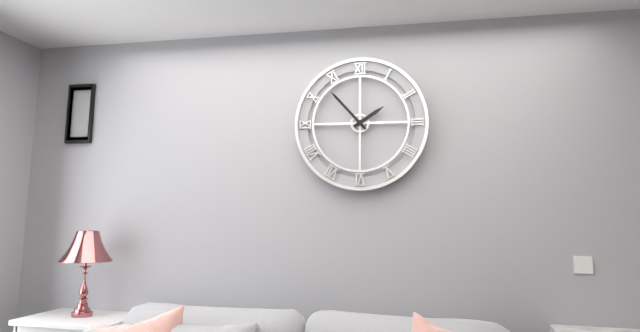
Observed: 1h53
